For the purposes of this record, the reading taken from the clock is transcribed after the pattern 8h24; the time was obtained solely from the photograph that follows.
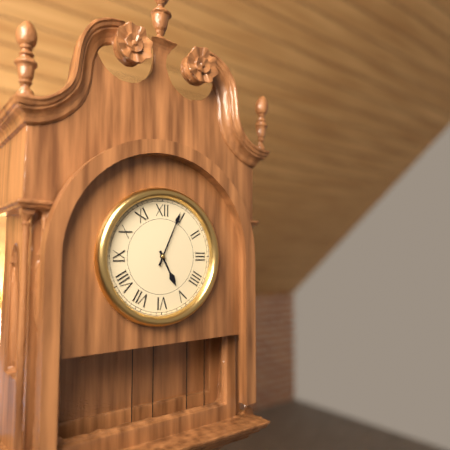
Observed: 5h04
